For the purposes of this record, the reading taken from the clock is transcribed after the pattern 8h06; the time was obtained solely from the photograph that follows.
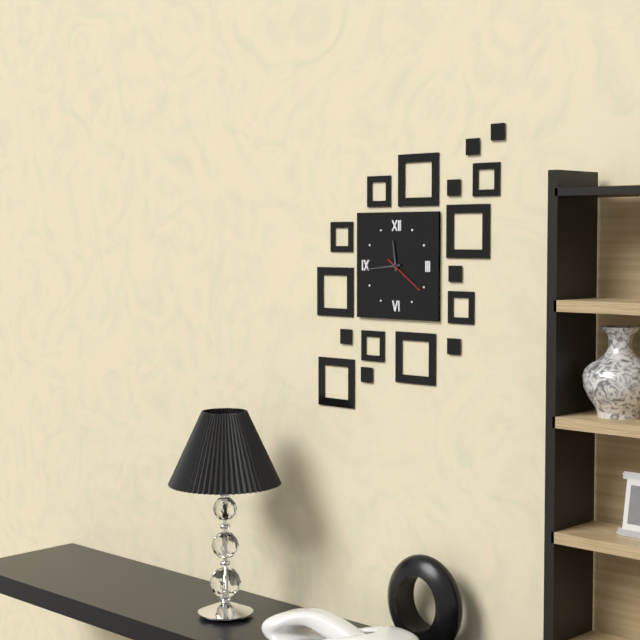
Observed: 11h44
